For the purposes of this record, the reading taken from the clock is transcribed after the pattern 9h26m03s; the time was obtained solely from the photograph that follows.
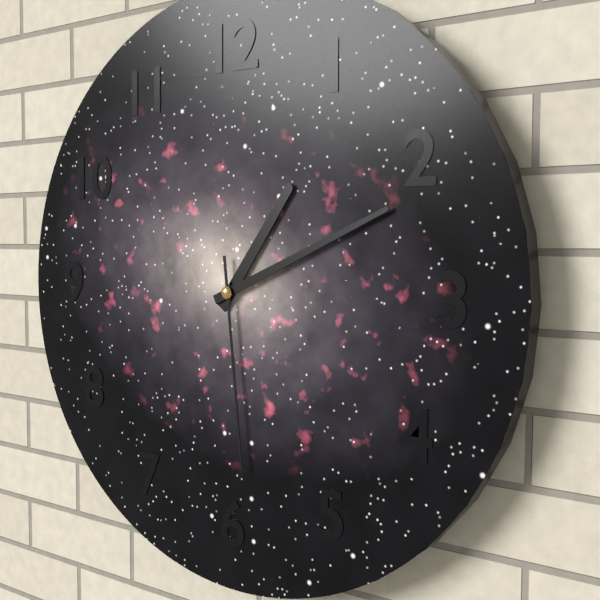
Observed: 1h11m29s
